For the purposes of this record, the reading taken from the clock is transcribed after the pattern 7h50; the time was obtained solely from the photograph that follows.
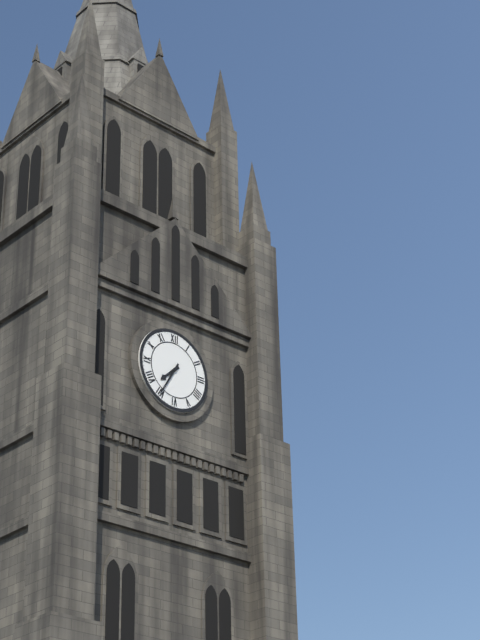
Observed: 7h35
